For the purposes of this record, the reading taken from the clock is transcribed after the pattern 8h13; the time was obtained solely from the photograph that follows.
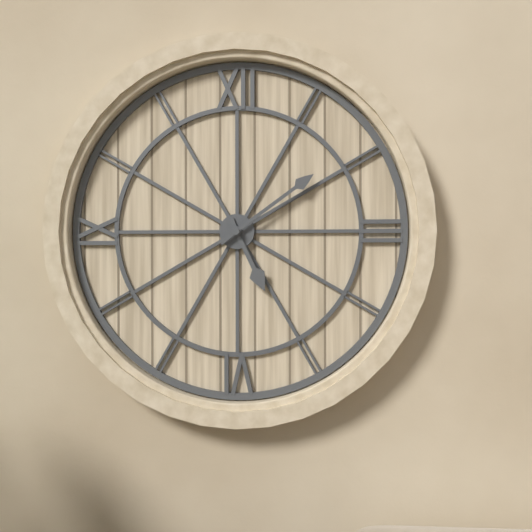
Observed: 5h09
